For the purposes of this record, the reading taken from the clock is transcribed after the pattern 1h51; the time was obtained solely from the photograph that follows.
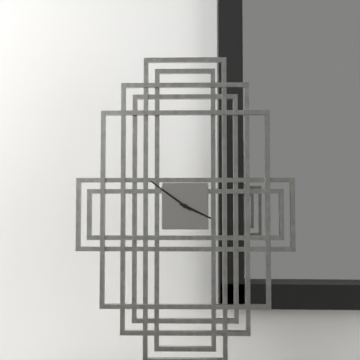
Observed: 3h51
